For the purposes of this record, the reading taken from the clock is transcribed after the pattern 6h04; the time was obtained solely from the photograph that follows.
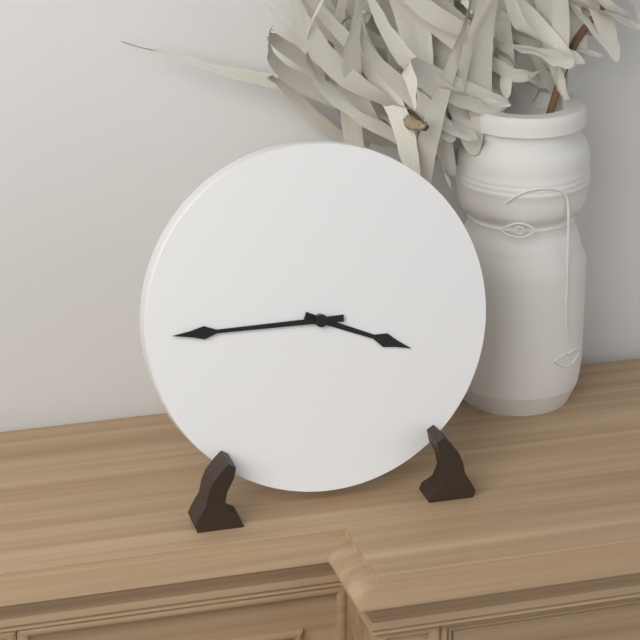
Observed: 3h45
